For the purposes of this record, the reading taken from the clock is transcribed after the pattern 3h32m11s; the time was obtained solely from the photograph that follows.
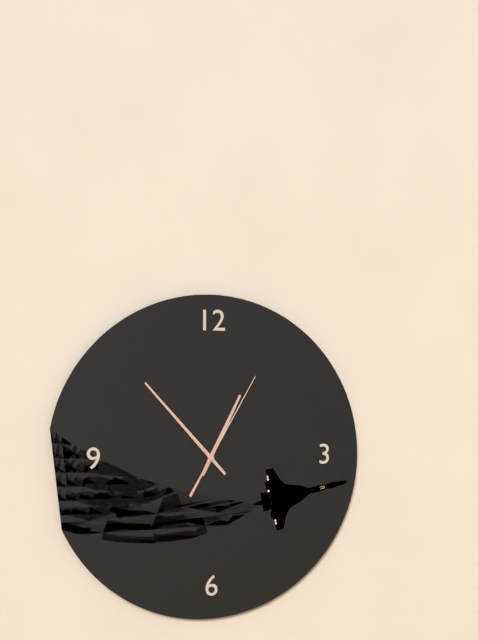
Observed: 12h53m05s
